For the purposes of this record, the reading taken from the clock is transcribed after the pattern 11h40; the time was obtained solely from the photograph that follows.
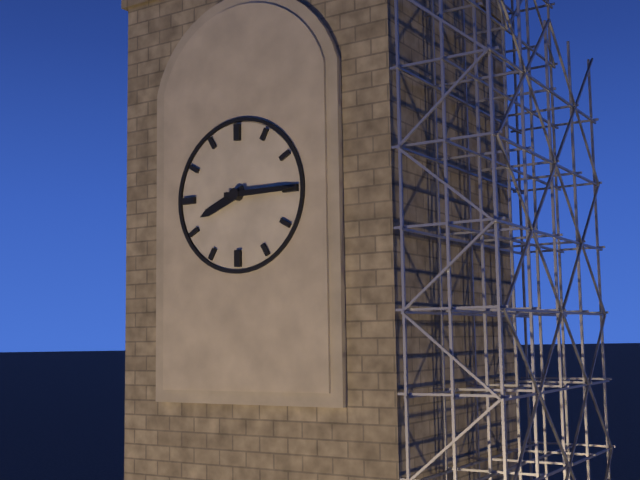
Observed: 8h15
